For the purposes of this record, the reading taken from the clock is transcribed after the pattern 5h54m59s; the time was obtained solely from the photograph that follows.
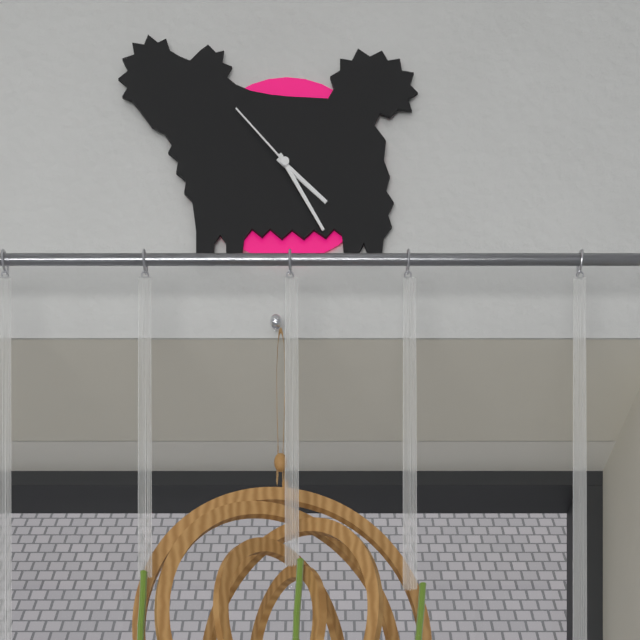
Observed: 4h25m53s
